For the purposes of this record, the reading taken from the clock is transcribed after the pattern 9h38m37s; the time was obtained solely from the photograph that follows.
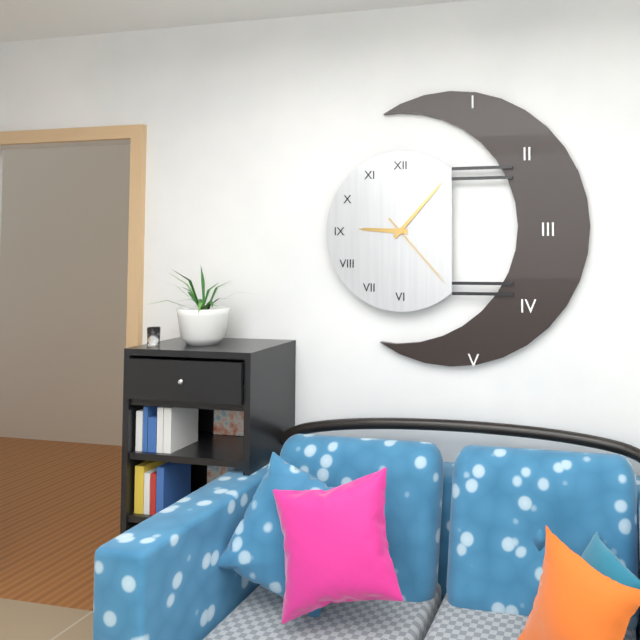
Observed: 9h07m23s
